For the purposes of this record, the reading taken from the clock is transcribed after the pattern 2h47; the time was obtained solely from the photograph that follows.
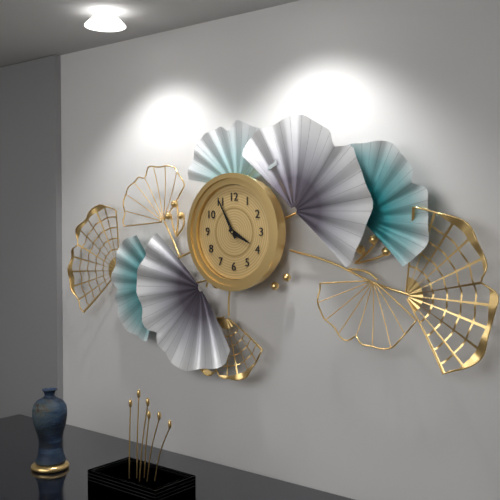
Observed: 3h55
